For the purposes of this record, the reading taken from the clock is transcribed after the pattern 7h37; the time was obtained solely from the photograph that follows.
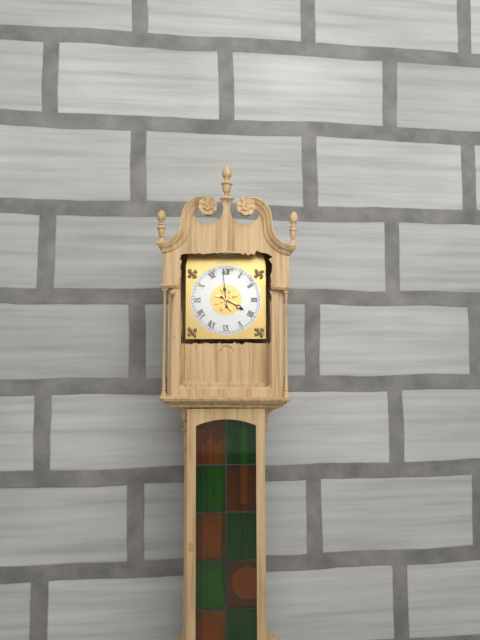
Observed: 3h59
